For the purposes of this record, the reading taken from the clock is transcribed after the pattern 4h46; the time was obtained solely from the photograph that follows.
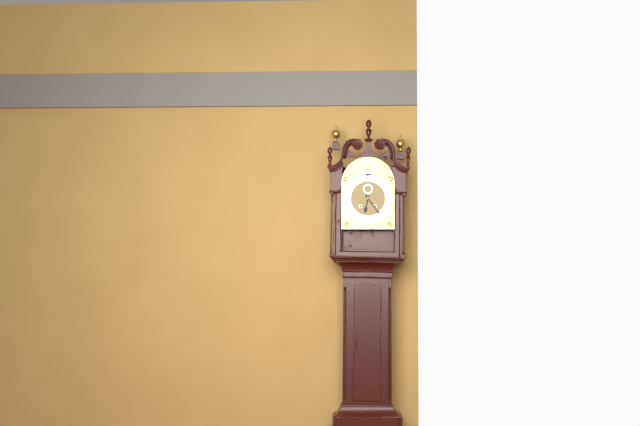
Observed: 6h24
